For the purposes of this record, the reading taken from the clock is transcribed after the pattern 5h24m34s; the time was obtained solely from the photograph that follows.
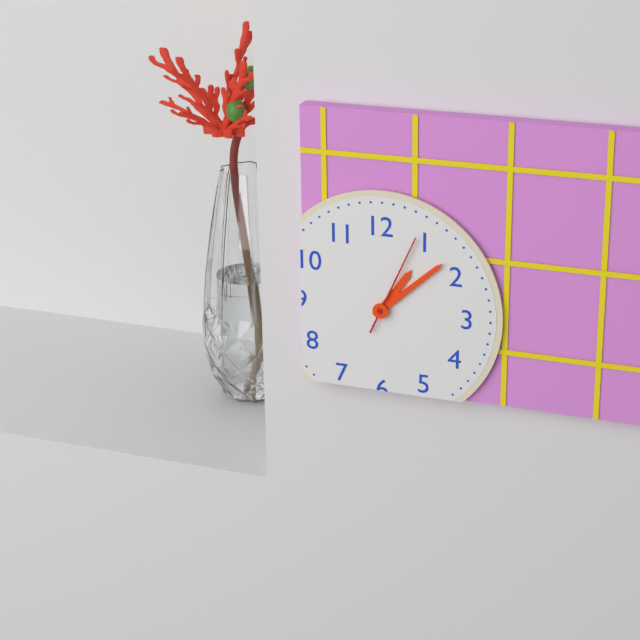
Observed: 1h08m04s
